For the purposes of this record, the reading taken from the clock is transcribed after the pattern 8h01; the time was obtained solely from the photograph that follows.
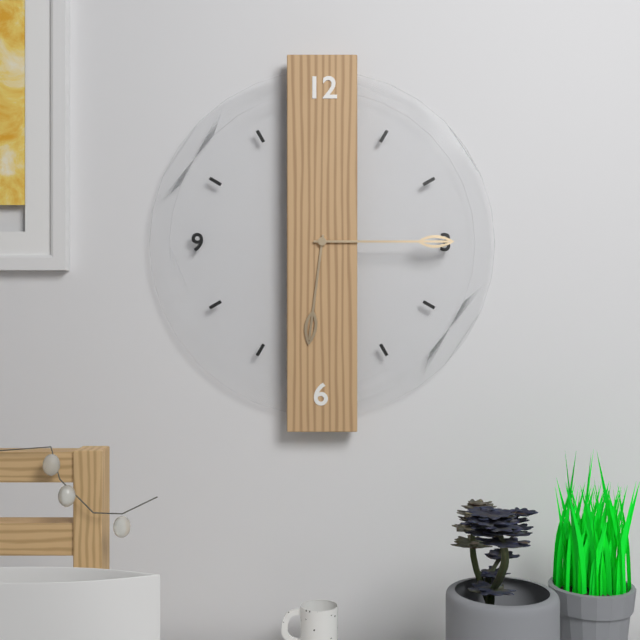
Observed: 6h15
